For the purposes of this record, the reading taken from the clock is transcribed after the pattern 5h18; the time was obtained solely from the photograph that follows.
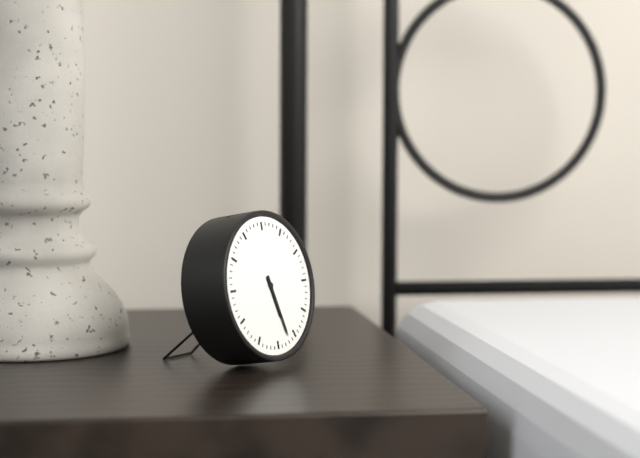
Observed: 5h27
